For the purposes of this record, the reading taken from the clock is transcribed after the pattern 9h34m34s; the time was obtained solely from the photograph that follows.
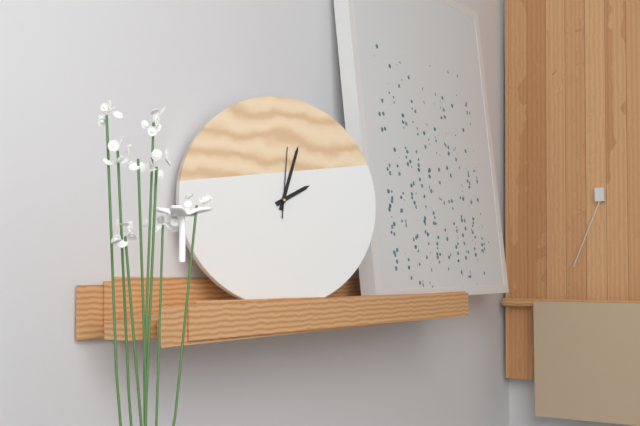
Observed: 2h03m01s
